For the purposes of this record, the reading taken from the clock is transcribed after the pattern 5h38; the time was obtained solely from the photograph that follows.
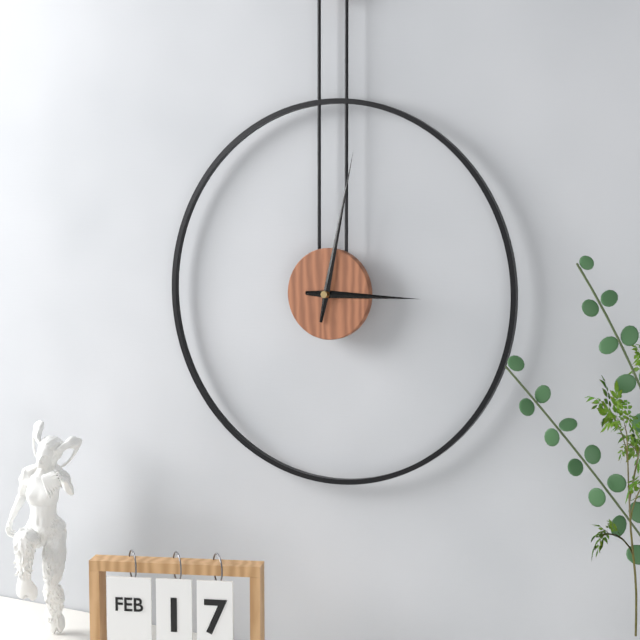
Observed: 3h02
